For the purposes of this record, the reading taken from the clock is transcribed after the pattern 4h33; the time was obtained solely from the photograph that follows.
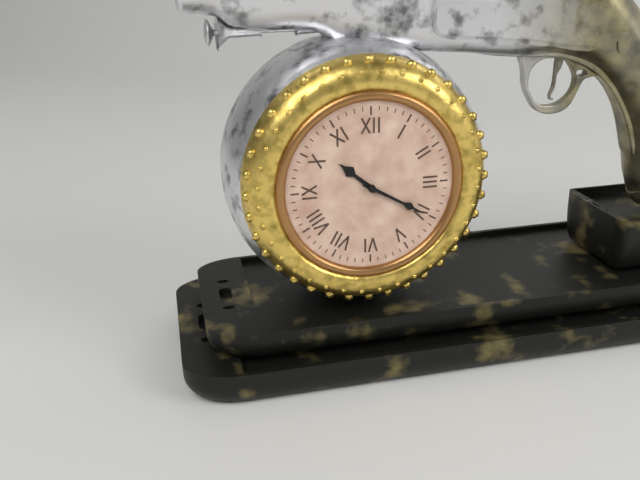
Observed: 10h20
